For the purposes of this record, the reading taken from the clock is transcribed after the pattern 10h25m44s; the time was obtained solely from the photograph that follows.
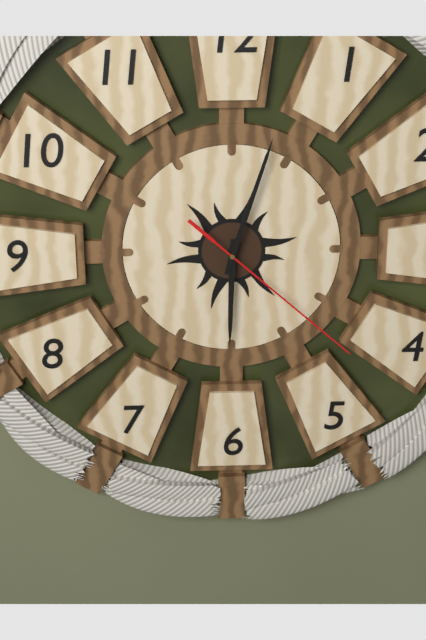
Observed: 6h03m22s
